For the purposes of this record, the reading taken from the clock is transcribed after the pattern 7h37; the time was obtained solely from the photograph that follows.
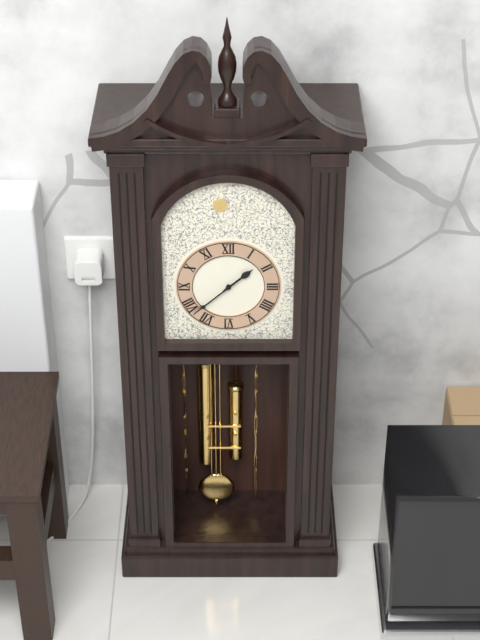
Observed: 1h38
